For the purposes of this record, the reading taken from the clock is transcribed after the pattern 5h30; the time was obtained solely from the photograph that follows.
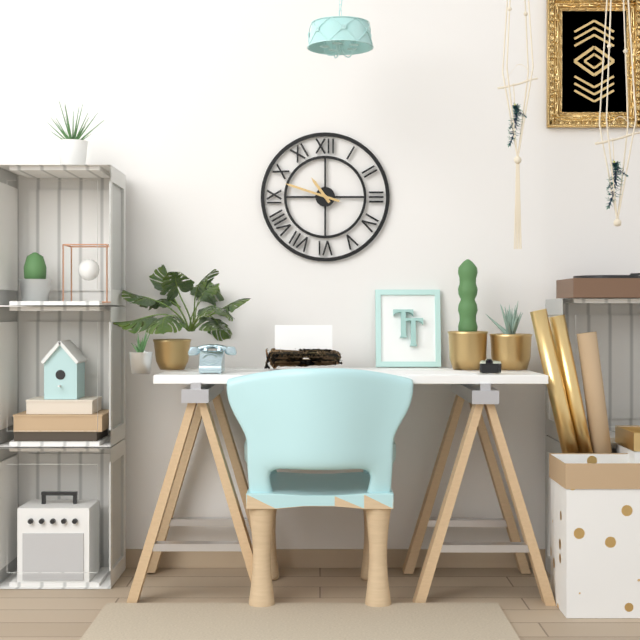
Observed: 10h48
